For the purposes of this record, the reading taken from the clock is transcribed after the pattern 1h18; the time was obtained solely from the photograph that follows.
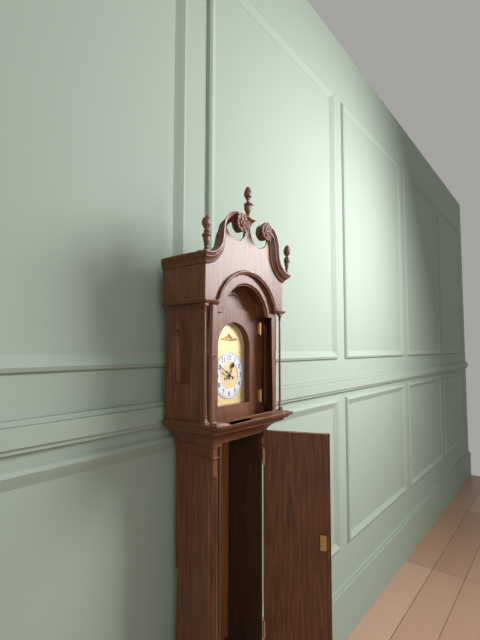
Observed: 12h50
